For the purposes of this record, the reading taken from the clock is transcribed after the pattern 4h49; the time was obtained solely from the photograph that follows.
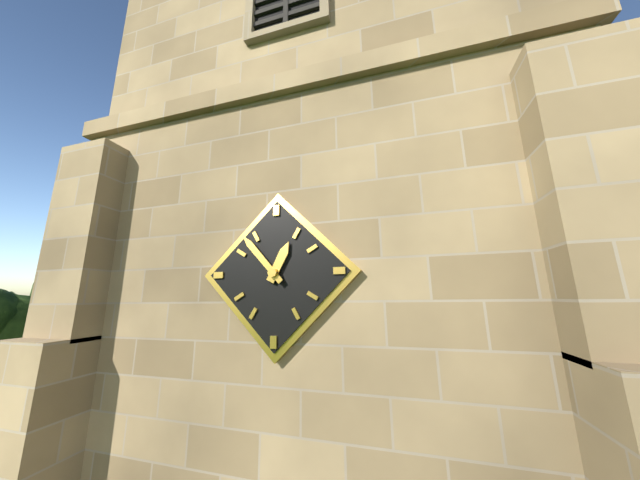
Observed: 12h53
